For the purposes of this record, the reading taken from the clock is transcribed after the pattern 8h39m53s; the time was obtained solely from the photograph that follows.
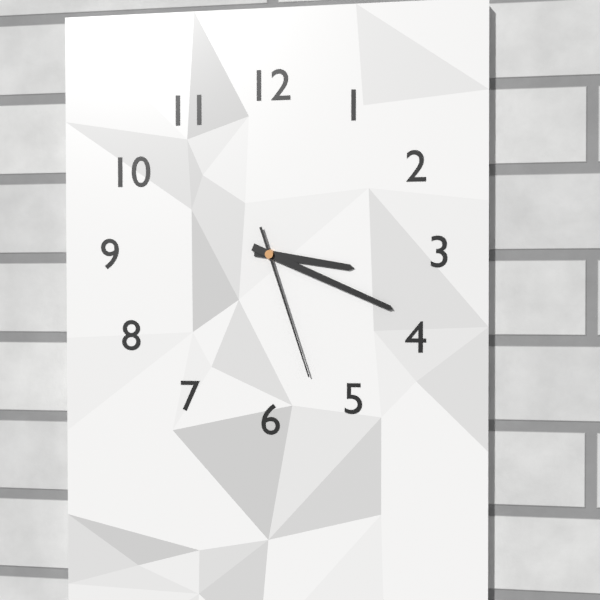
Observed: 3h19m27s
